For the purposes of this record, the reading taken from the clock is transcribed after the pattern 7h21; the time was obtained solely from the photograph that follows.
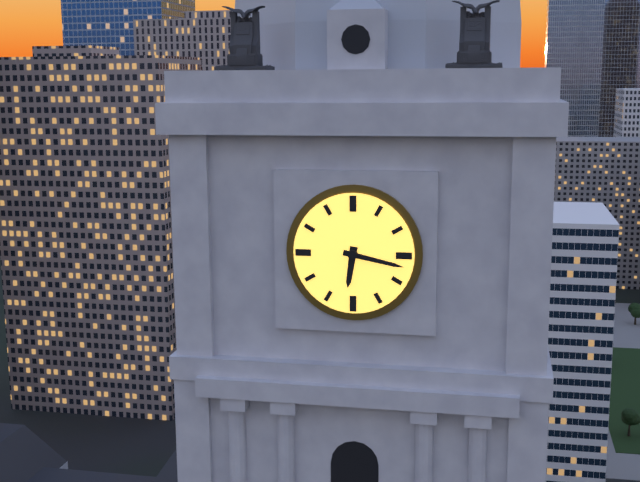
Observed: 6h17
